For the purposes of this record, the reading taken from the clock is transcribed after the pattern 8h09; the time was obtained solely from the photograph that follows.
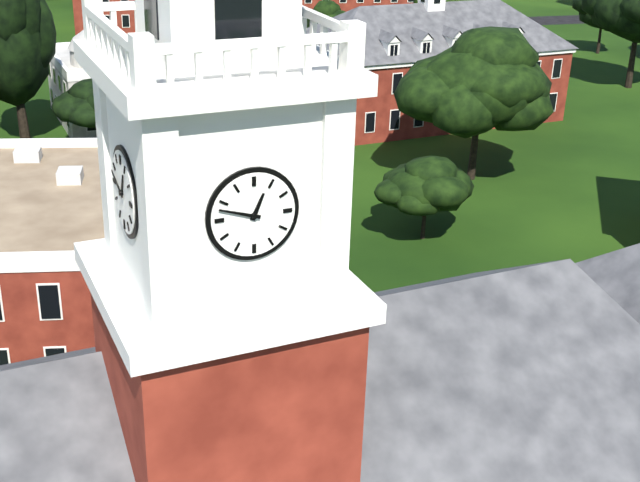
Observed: 12h48
